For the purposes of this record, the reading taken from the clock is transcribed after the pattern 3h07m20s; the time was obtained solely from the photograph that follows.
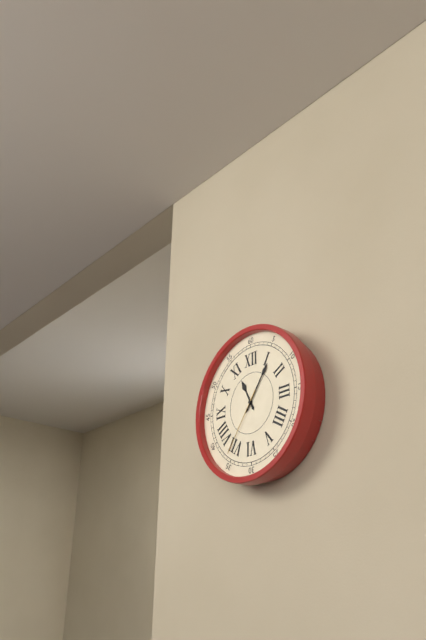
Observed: 11h06m36s
